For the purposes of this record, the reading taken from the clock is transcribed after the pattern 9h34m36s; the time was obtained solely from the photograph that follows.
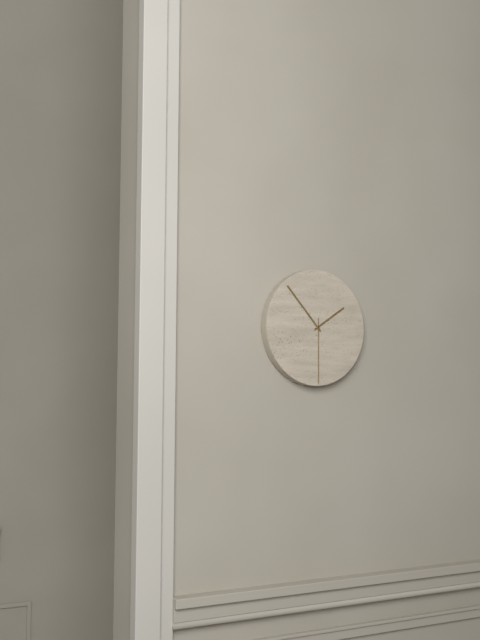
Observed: 1h53m30s
